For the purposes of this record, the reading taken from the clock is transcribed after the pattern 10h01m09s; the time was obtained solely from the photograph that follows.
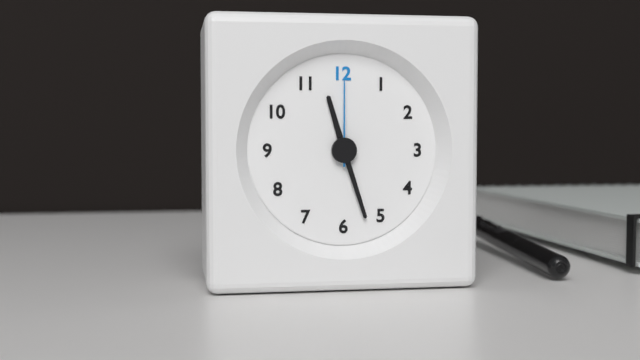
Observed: 11h27m00s
